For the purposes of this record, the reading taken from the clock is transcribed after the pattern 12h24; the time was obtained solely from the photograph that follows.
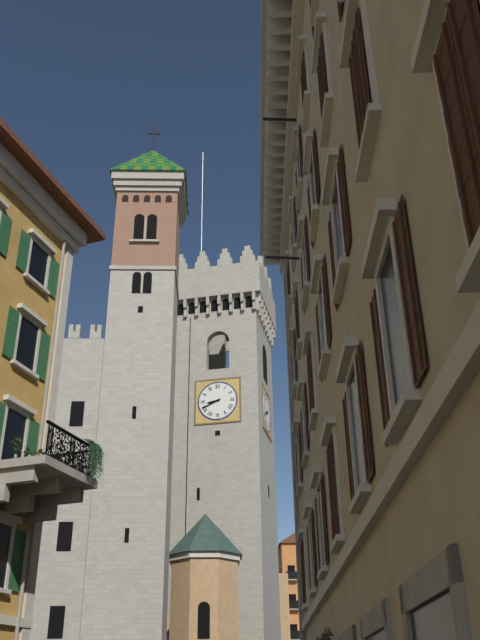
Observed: 8h41
